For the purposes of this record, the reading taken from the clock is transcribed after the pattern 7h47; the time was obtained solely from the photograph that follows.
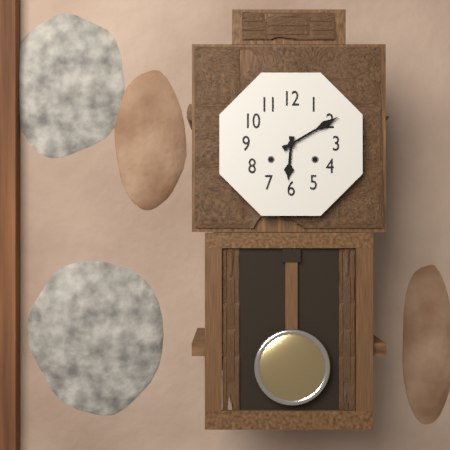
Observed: 6h10
